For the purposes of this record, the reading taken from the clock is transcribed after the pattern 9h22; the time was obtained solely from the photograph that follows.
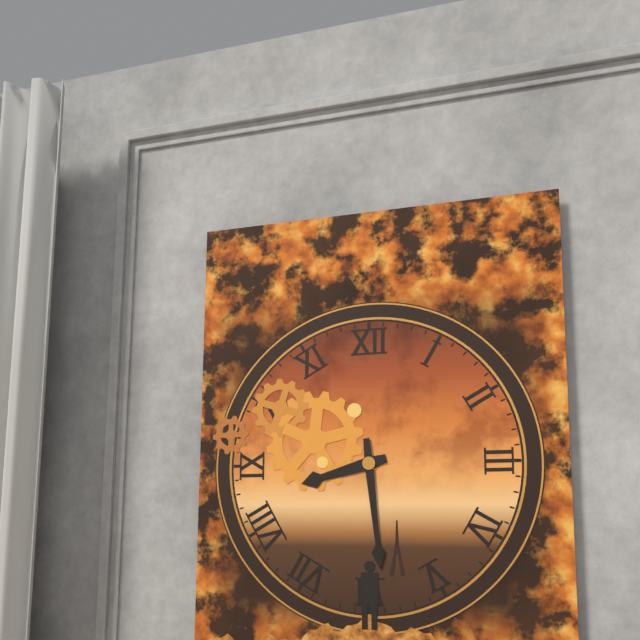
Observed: 8h29
